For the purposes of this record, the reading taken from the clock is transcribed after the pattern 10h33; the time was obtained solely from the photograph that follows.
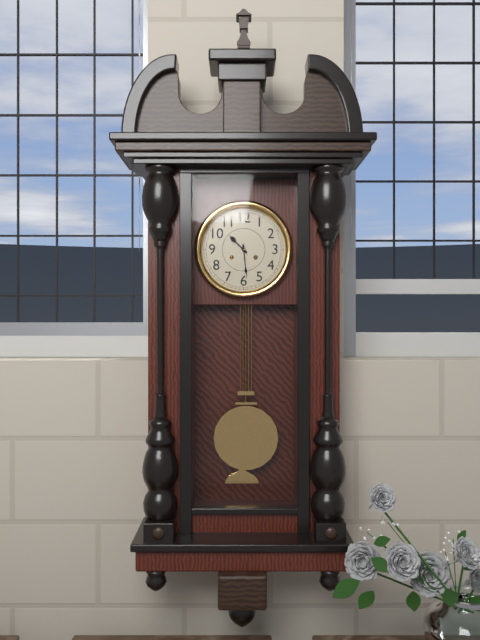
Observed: 10h29
